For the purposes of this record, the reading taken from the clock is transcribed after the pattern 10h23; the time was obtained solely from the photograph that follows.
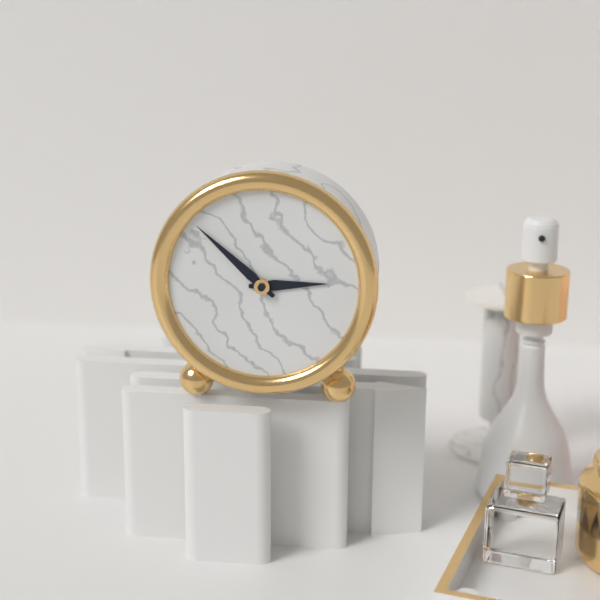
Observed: 2h52
